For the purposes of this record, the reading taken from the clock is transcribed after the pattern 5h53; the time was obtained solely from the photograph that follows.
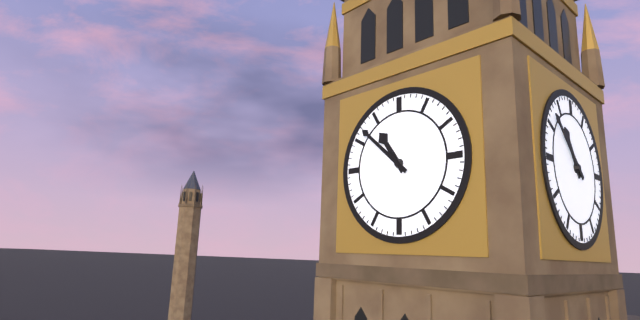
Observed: 10h52
